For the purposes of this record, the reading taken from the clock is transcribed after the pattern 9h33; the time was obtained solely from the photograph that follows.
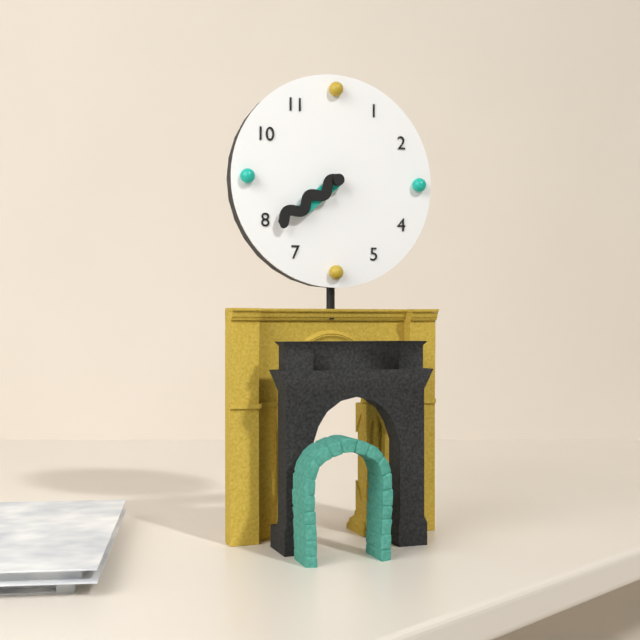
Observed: 7h39
